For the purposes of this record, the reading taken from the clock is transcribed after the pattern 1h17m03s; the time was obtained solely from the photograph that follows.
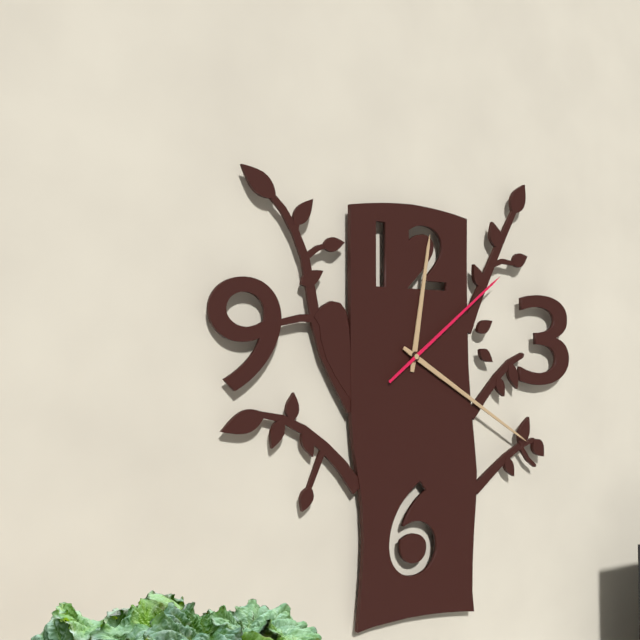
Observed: 12h20m09s
